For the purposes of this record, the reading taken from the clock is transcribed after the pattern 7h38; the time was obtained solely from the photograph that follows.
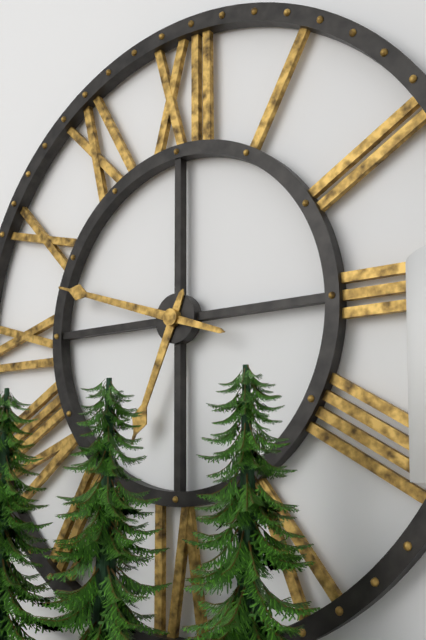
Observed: 6h48
